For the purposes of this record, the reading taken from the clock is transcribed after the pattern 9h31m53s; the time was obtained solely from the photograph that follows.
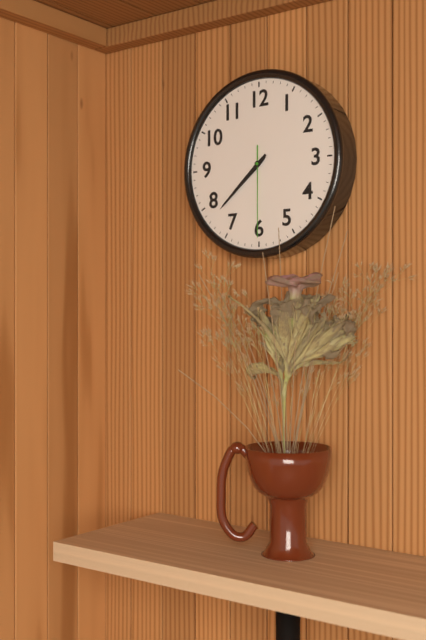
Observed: 7h38m30s
